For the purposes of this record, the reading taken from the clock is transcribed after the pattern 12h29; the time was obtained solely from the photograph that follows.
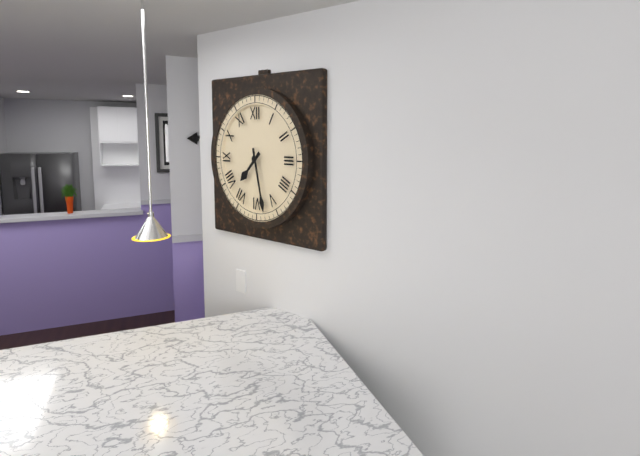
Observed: 7h28
